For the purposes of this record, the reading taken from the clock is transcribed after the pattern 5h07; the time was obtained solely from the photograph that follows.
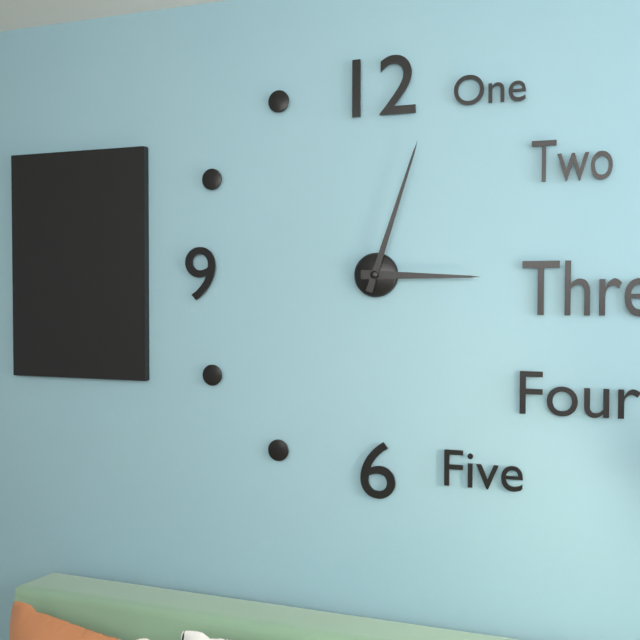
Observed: 3h03
